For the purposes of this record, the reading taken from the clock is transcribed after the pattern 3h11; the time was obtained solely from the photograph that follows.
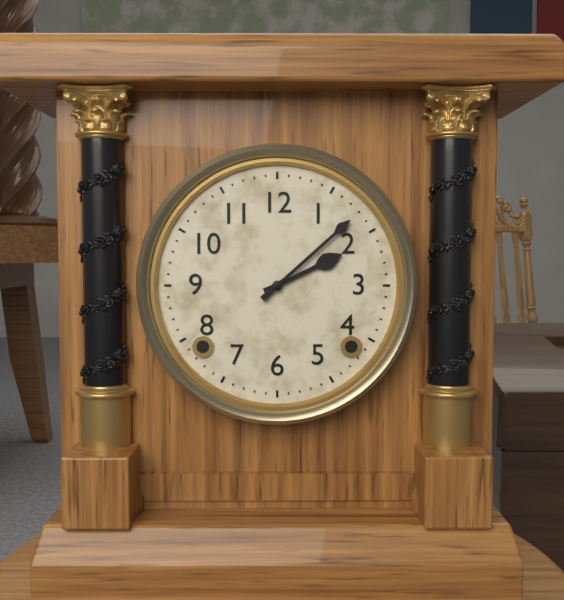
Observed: 2h08
